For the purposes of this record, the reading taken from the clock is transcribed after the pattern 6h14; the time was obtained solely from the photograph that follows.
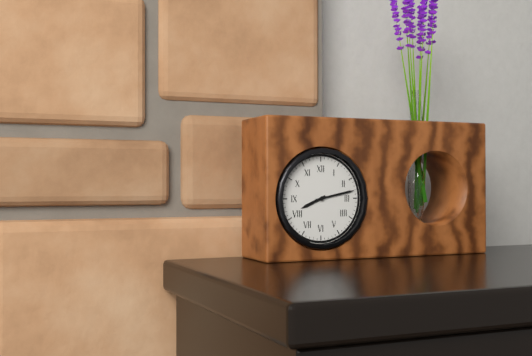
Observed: 8h13
